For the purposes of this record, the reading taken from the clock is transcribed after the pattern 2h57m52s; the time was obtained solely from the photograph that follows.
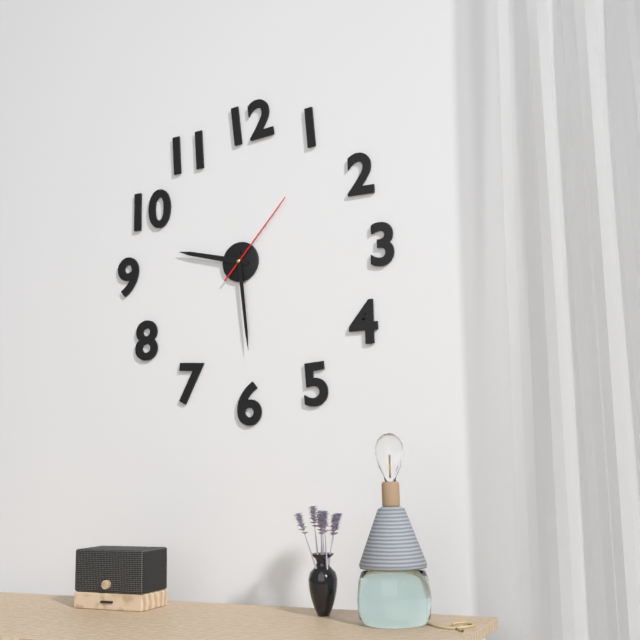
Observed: 9h29m07s
